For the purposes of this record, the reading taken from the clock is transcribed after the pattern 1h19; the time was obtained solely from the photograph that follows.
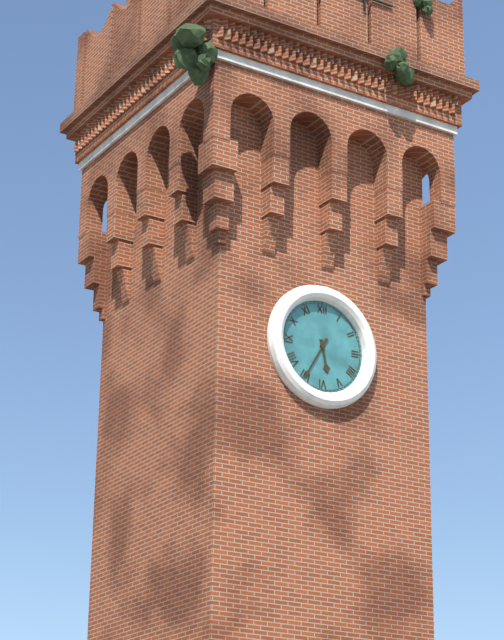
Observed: 5h35
